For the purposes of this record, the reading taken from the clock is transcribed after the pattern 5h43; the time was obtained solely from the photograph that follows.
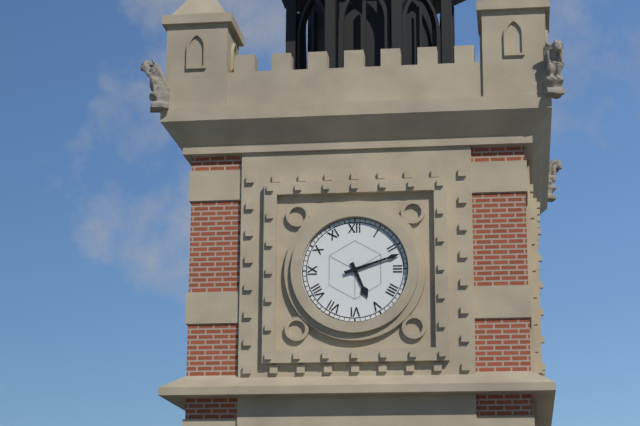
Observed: 5h12
